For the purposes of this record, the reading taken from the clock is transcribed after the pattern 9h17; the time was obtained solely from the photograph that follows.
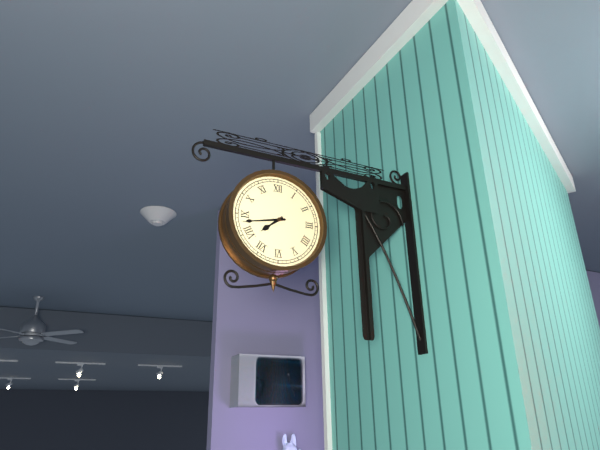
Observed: 7h43
